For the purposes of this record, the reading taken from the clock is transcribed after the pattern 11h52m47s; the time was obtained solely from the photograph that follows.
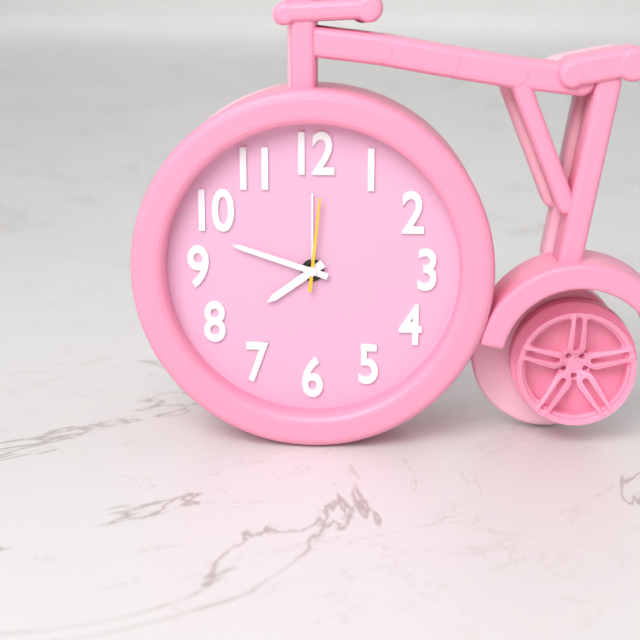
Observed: 7h48m01s
